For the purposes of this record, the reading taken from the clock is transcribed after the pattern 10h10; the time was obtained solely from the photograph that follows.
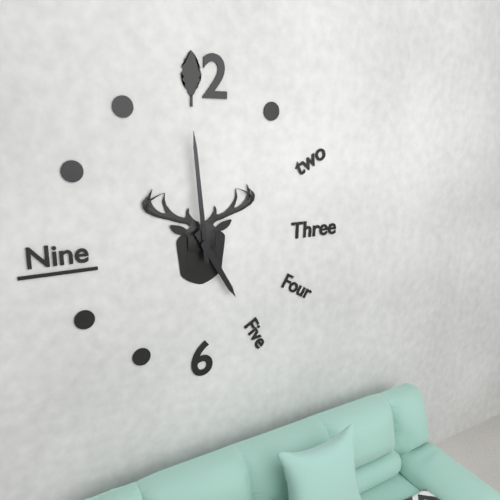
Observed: 4h59
